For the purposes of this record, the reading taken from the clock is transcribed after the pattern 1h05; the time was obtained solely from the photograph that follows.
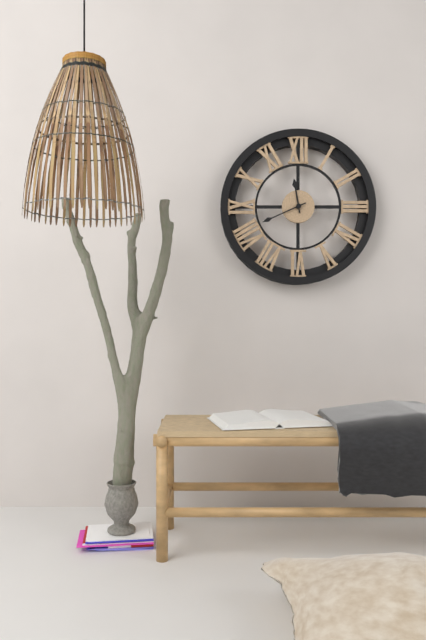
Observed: 11h41
